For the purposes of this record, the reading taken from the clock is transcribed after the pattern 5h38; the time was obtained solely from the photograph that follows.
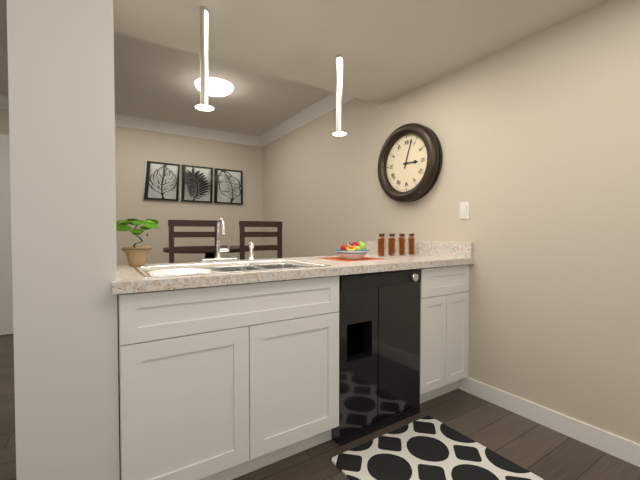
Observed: 3h03
